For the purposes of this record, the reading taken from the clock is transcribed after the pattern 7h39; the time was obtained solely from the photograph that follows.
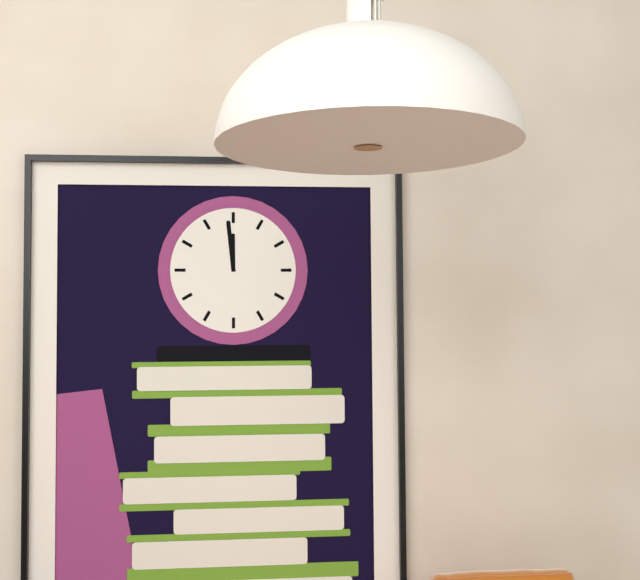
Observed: 11h59
